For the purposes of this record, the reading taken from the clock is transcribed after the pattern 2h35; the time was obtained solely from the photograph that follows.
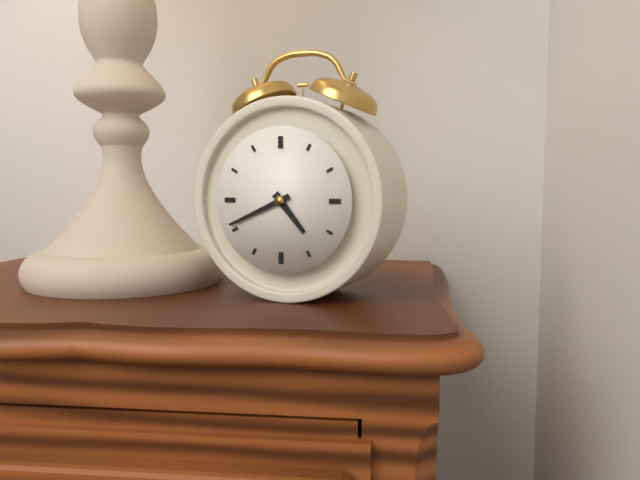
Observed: 4h41
